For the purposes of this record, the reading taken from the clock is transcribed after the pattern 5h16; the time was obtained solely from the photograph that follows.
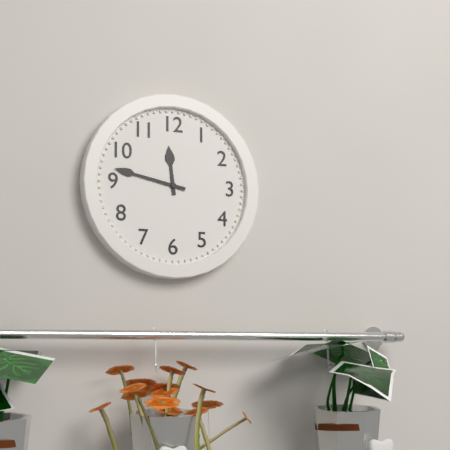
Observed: 11h47
